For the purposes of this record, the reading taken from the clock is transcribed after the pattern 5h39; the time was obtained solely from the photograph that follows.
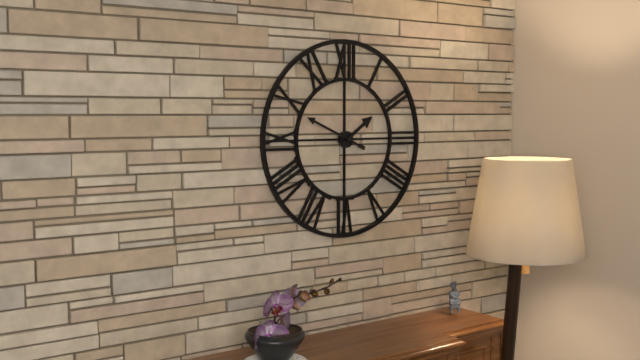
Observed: 1h49
